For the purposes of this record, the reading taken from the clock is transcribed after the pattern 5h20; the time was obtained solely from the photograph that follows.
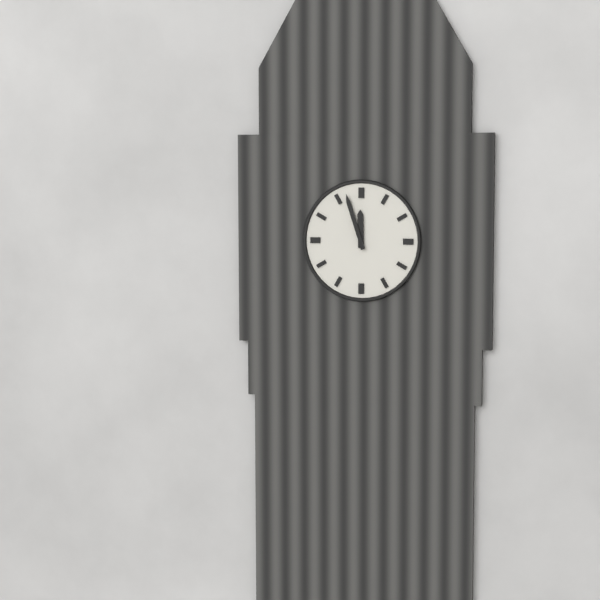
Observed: 11h57
